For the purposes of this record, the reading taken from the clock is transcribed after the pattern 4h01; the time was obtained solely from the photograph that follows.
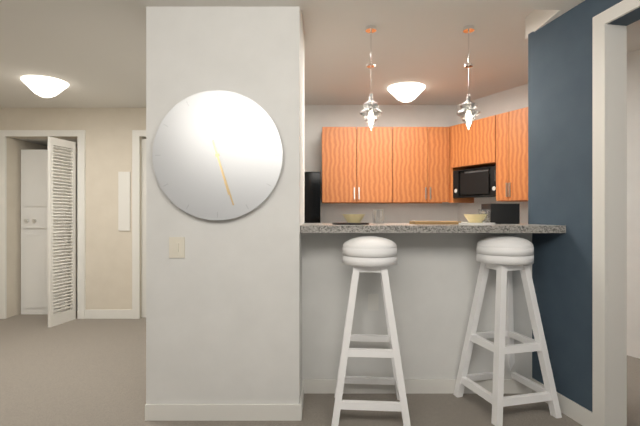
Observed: 5h27
